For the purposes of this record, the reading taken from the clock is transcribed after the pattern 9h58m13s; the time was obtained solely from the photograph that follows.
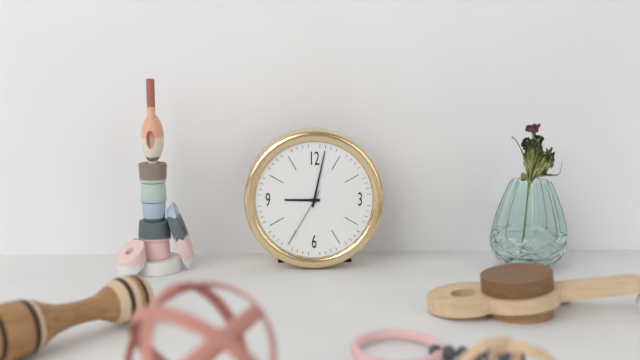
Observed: 9h02m35s
